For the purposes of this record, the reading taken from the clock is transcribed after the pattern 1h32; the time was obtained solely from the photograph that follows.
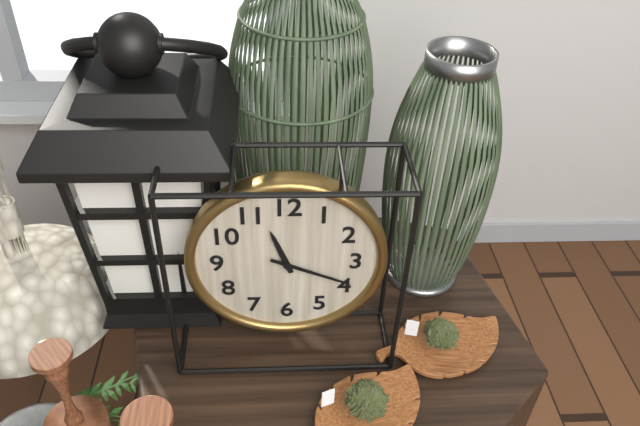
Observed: 11h19
